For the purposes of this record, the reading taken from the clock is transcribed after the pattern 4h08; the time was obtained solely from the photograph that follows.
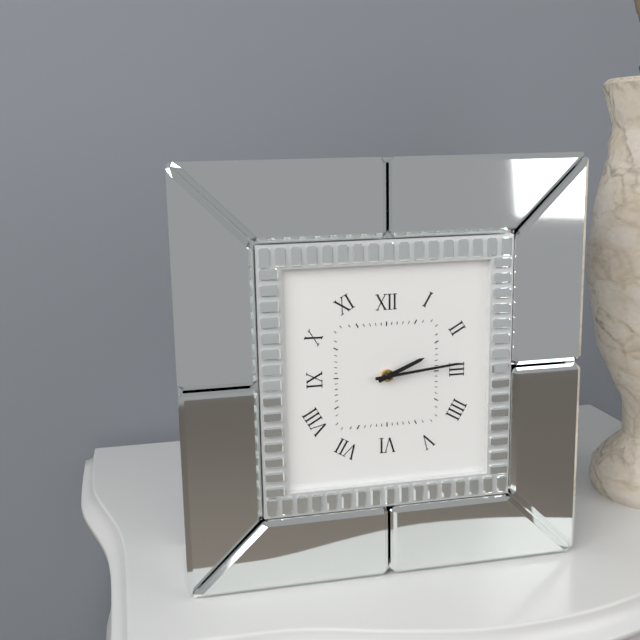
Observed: 2h14
